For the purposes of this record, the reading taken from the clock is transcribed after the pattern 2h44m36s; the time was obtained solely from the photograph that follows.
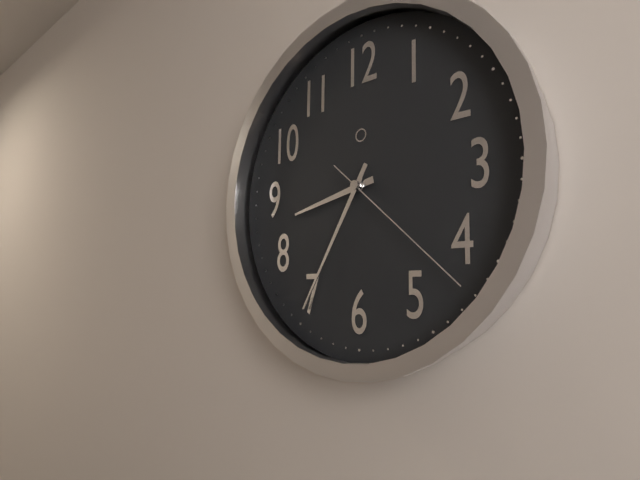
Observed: 8h35m22s
